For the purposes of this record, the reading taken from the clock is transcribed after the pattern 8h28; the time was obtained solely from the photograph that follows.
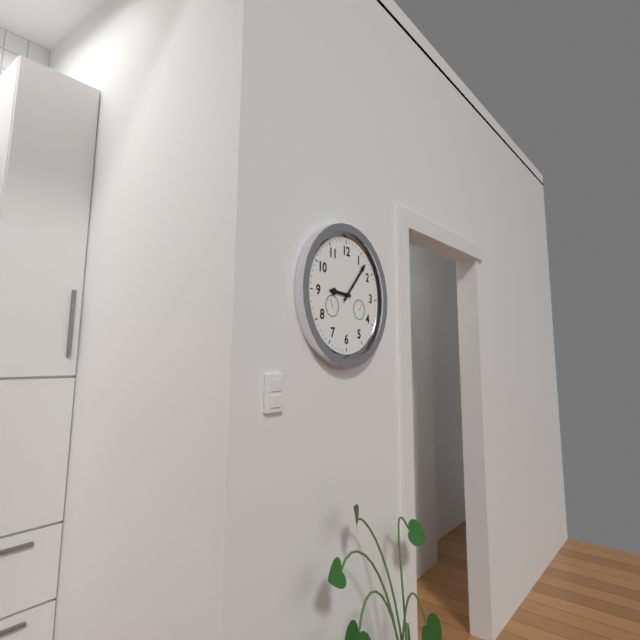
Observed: 9h07
